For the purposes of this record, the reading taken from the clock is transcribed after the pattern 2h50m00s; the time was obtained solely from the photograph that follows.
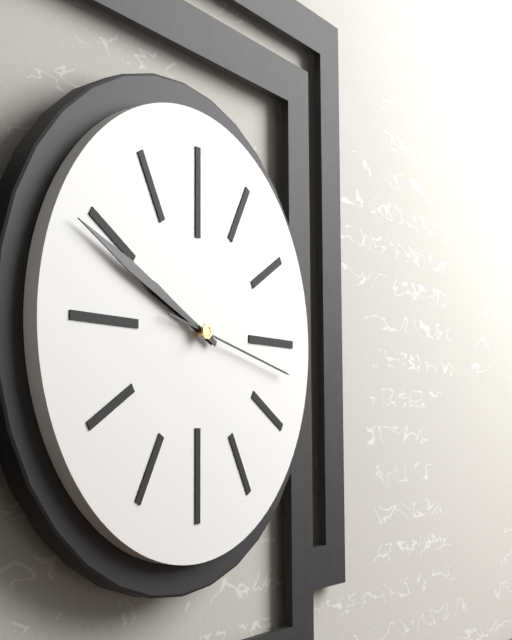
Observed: 9h49m17s
